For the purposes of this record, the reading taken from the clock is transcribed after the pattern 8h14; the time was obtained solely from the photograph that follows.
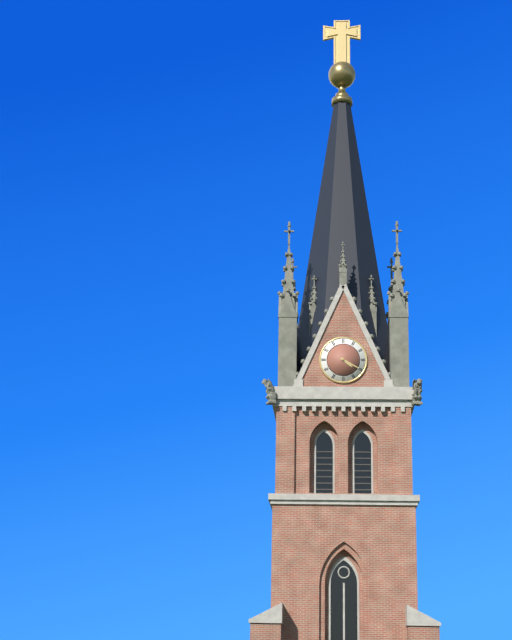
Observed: 4h20
